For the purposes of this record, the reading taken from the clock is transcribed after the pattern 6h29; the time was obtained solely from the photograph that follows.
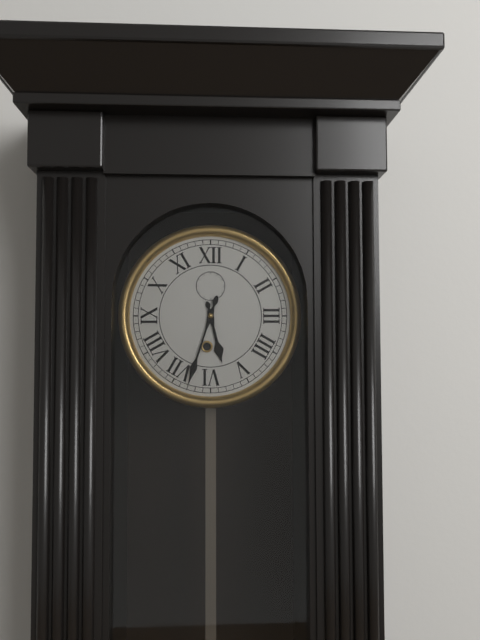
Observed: 5h33
